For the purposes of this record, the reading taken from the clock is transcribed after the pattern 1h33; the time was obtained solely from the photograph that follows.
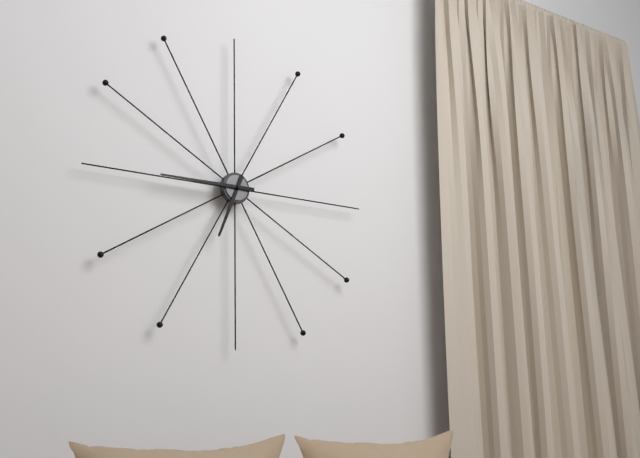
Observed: 6h45
